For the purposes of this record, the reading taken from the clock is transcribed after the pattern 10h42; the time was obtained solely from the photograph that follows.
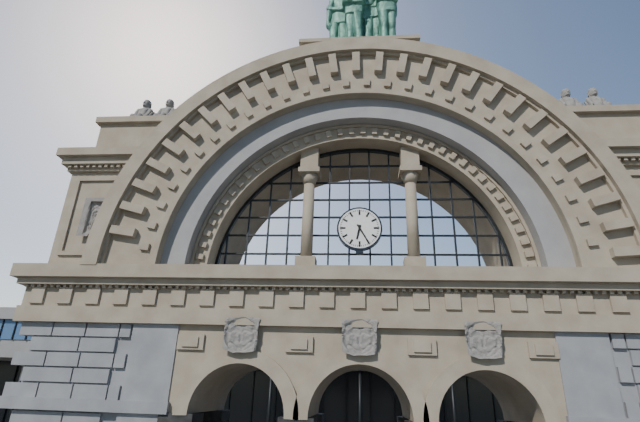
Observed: 6h25
